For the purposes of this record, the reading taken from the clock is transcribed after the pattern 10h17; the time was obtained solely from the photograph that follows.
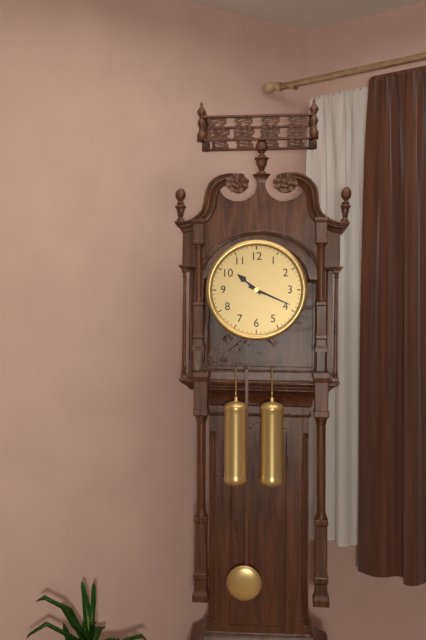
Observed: 10h19
